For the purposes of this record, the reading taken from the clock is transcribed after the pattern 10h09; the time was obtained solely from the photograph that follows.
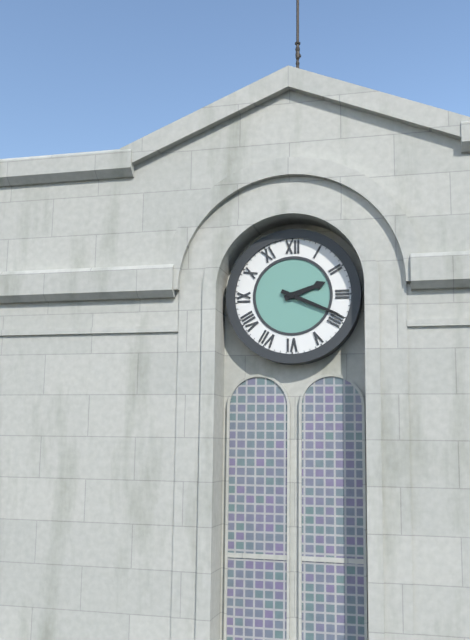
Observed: 2h19
